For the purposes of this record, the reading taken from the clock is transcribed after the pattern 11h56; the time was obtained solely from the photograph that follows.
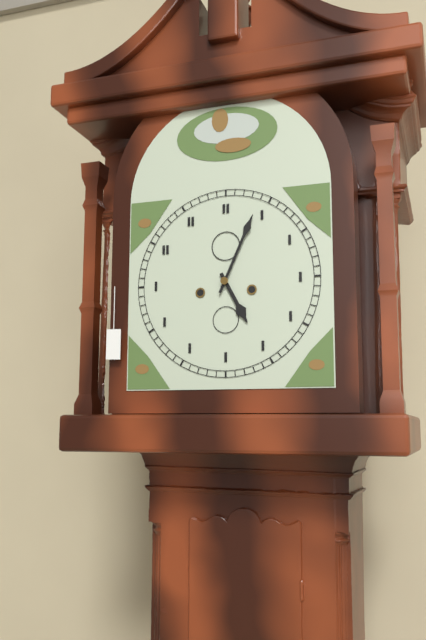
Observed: 5h04
